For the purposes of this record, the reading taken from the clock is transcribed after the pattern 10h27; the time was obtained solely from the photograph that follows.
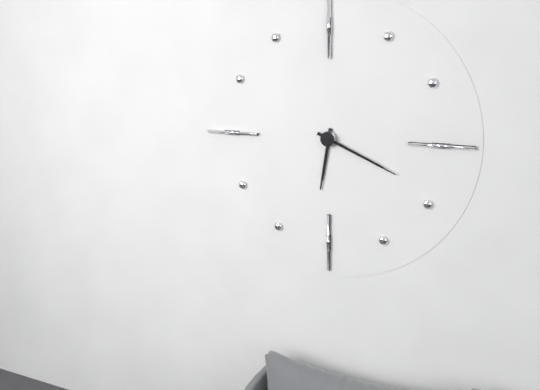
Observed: 6h19
